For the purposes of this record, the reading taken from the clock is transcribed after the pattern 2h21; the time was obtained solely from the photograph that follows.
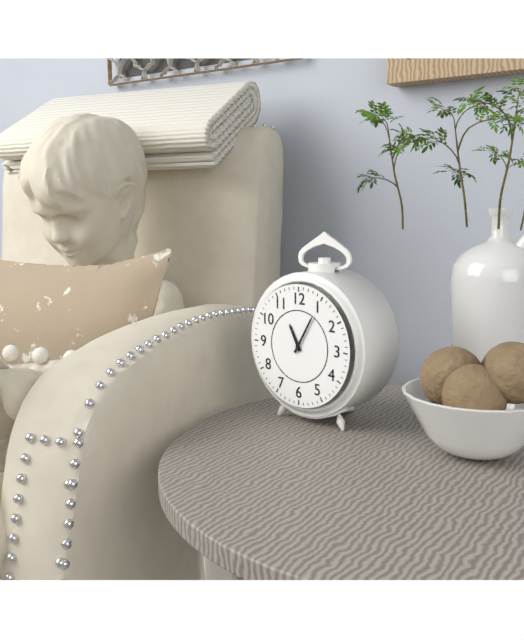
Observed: 11h05
